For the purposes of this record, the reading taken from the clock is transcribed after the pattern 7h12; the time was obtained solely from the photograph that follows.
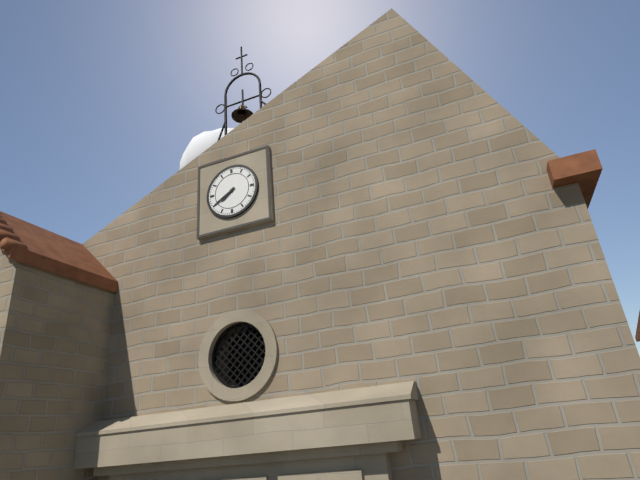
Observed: 7h40
